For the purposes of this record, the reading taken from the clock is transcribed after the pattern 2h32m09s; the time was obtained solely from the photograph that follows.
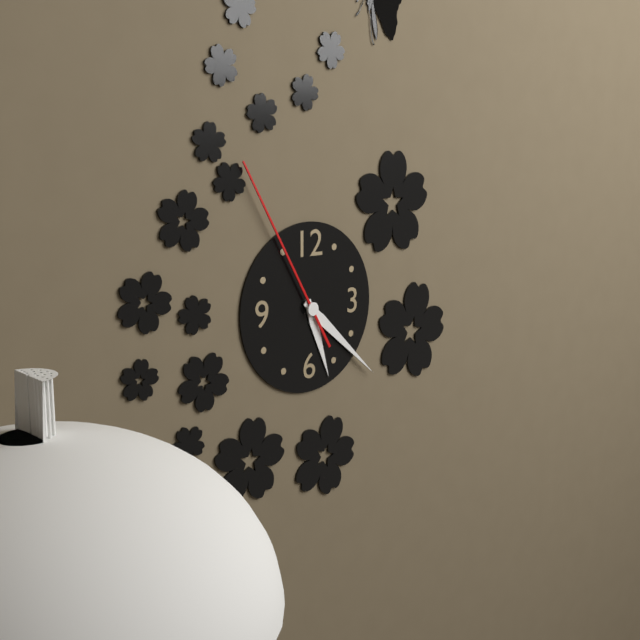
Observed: 5h22m55s
